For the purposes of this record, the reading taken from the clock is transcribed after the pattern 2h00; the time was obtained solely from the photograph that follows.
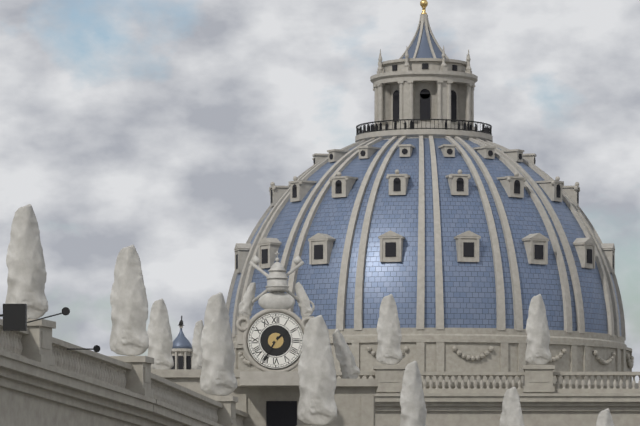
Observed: 1h35
